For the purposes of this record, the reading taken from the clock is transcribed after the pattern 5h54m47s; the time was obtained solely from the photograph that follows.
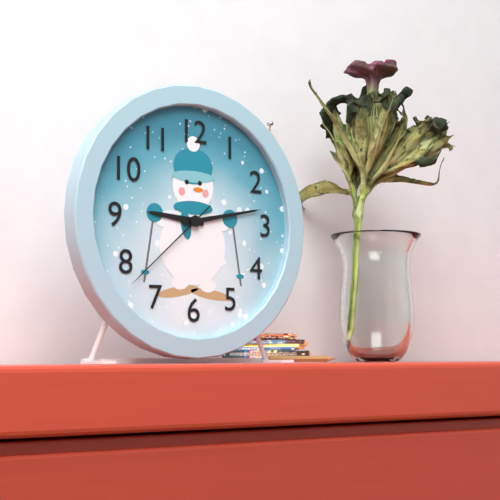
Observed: 9h13m38s
